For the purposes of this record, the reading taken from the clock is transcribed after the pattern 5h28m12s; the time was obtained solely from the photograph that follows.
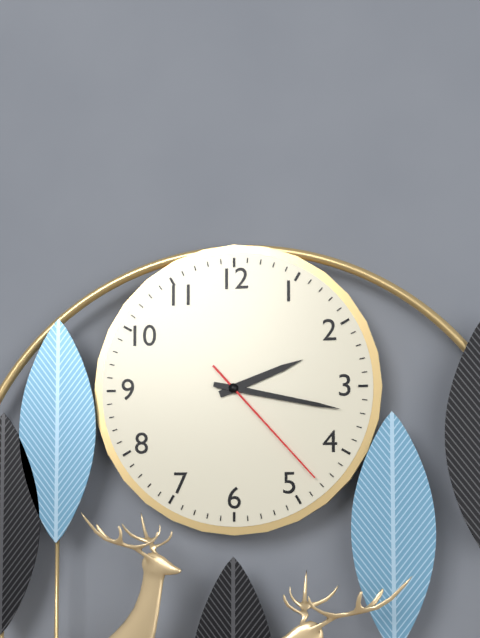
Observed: 2h17m23s
